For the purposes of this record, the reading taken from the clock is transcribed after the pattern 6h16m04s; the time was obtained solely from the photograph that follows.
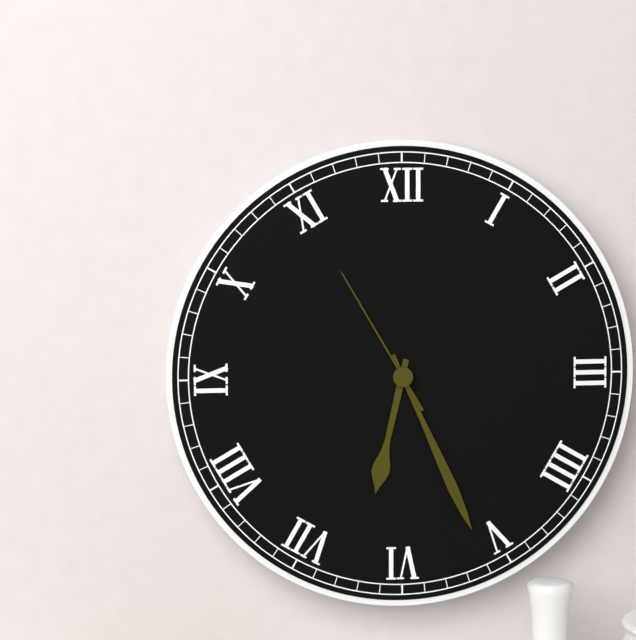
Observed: 6h26m55s
